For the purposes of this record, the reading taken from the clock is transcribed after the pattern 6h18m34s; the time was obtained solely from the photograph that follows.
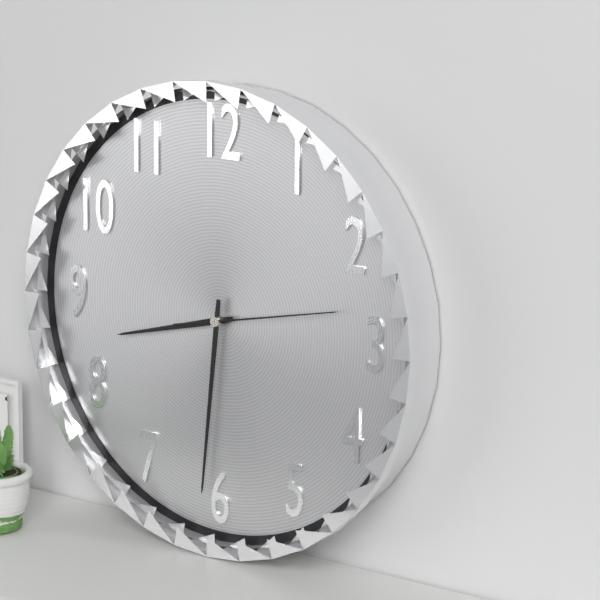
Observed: 8h31m13s
